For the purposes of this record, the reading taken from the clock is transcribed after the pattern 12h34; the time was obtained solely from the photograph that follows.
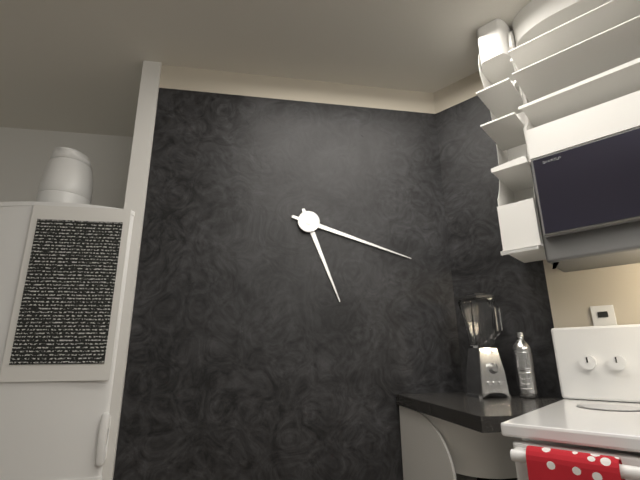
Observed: 5h18
